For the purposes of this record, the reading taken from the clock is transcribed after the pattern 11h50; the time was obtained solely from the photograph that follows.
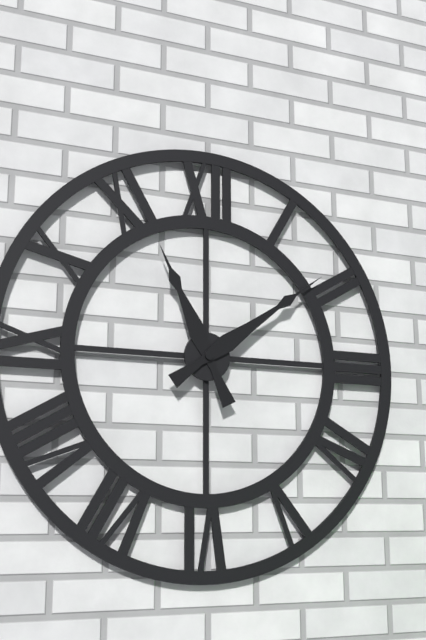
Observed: 11h09
